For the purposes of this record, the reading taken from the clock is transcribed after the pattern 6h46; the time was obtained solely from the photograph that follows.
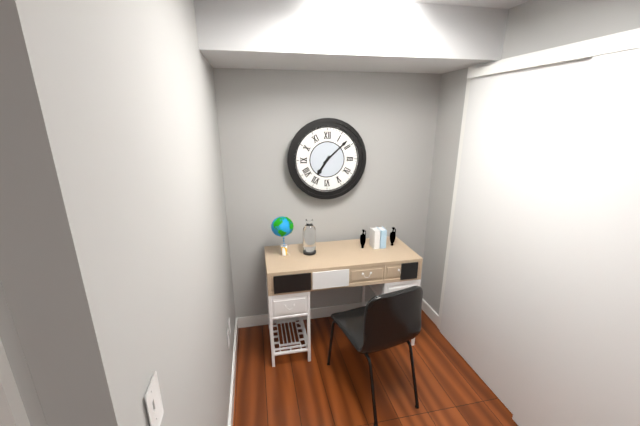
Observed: 7h08
